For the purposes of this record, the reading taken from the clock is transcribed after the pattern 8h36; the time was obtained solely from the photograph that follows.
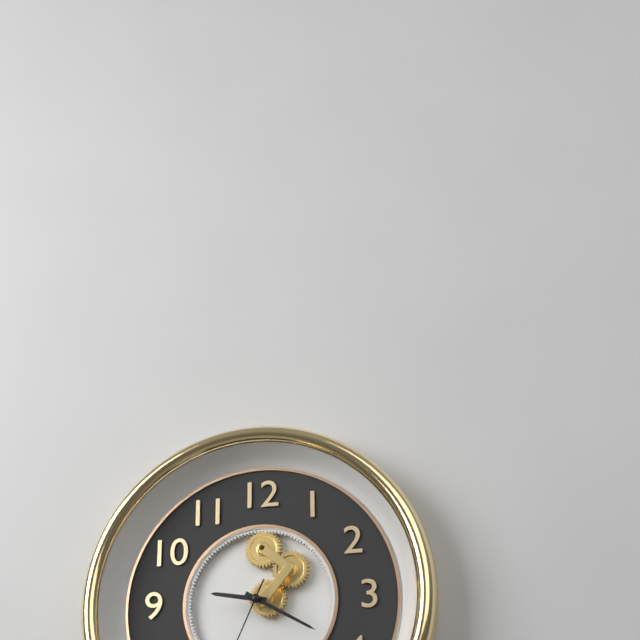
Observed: 9h20
